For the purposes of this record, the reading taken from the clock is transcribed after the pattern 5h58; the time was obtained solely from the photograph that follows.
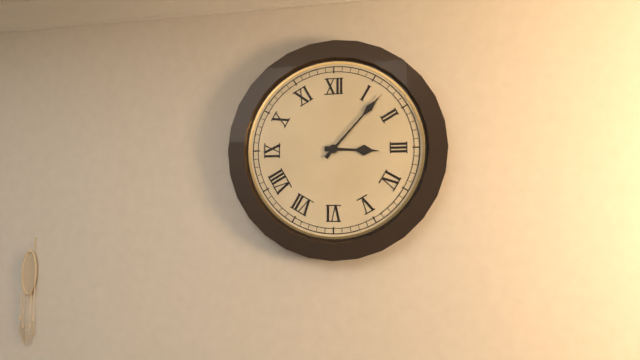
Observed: 3h07
